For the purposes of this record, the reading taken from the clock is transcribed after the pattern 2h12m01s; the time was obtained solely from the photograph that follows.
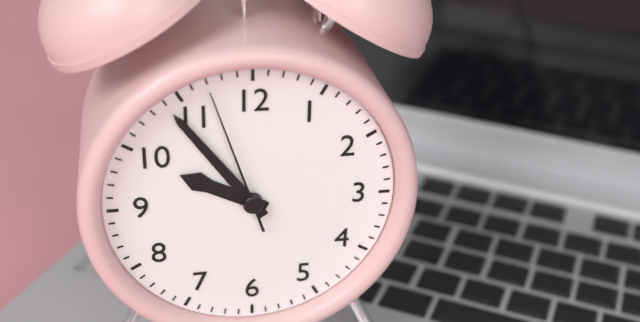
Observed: 9h54m57s
